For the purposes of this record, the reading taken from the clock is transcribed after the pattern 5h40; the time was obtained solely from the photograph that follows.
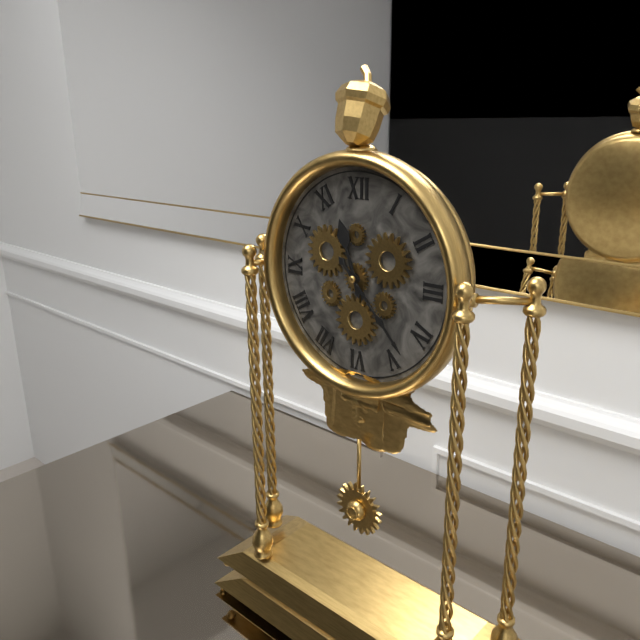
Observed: 11h23
